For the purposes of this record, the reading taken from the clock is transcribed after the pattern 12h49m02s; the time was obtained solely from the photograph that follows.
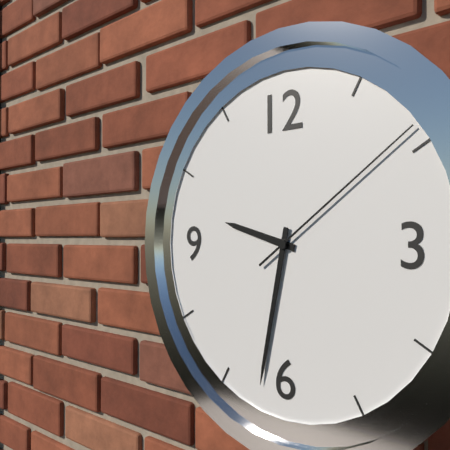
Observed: 9h32m09s
